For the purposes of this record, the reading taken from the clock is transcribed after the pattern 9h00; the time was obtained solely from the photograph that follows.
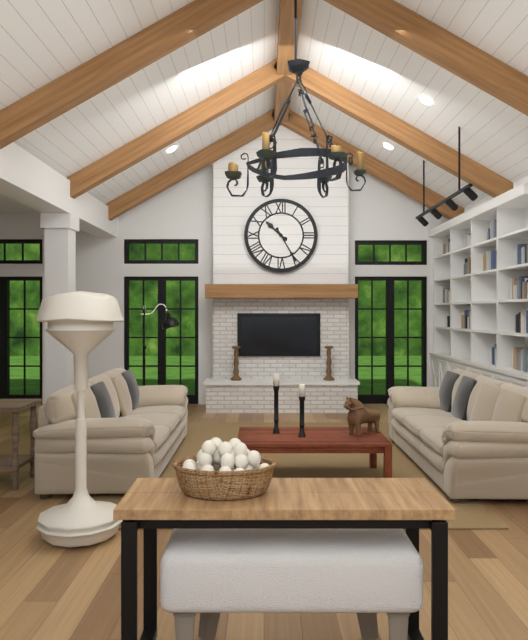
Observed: 10h25
